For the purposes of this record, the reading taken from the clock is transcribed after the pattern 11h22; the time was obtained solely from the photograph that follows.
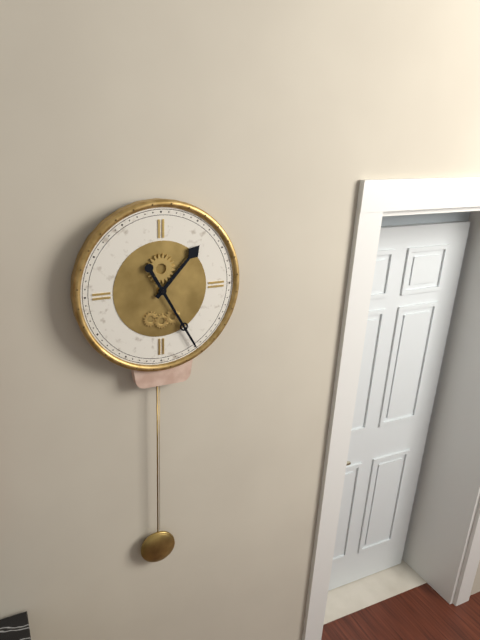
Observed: 1h25
